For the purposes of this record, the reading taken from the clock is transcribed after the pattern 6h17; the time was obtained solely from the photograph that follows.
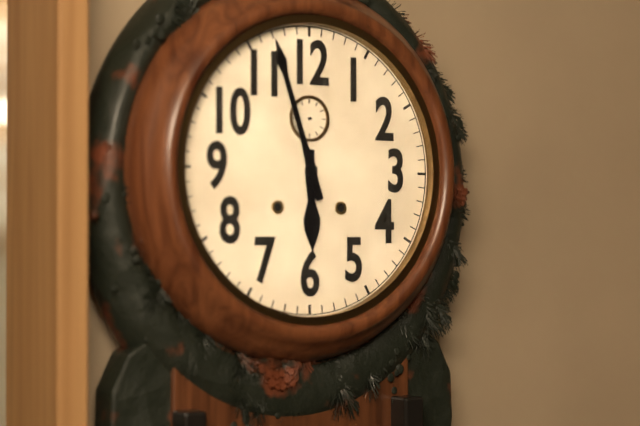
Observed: 5h57
